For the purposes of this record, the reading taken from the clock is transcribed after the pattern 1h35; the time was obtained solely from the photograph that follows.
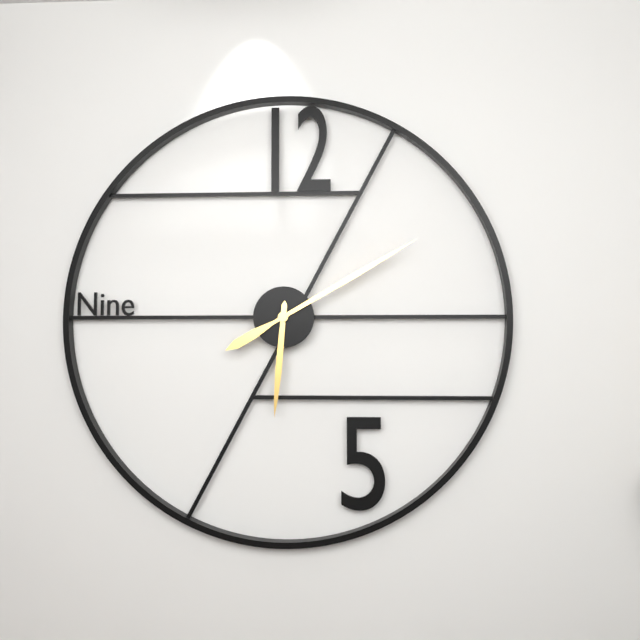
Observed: 6h10
